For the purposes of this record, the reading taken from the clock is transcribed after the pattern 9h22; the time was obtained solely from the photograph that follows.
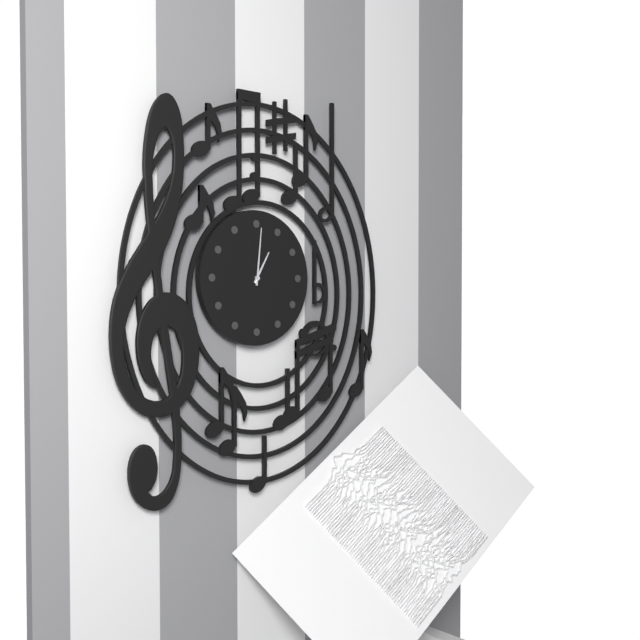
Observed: 1h01
